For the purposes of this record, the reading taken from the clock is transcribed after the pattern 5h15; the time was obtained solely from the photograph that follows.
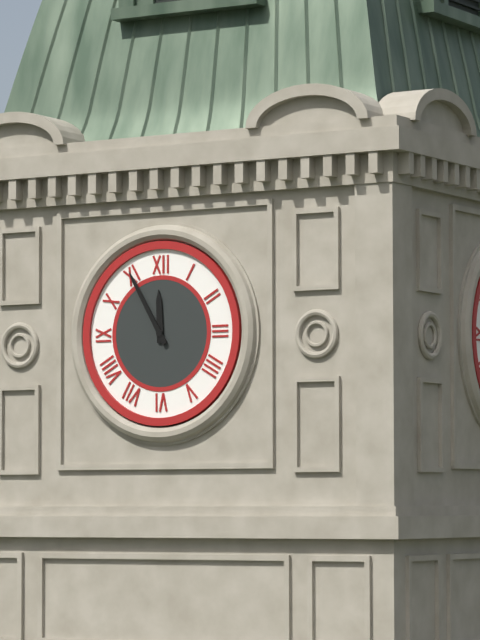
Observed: 11h55
